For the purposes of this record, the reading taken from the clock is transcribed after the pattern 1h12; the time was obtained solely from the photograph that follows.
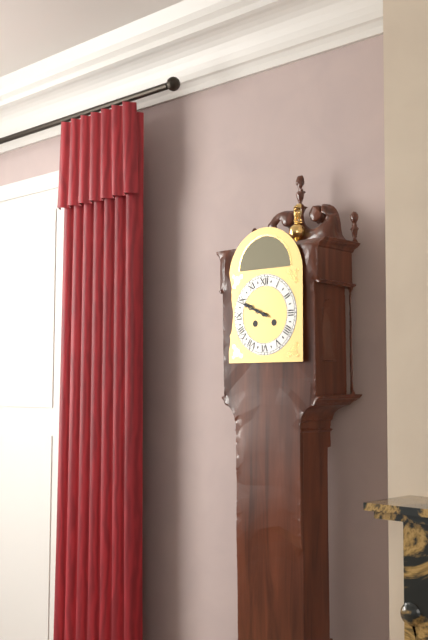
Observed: 9h49
